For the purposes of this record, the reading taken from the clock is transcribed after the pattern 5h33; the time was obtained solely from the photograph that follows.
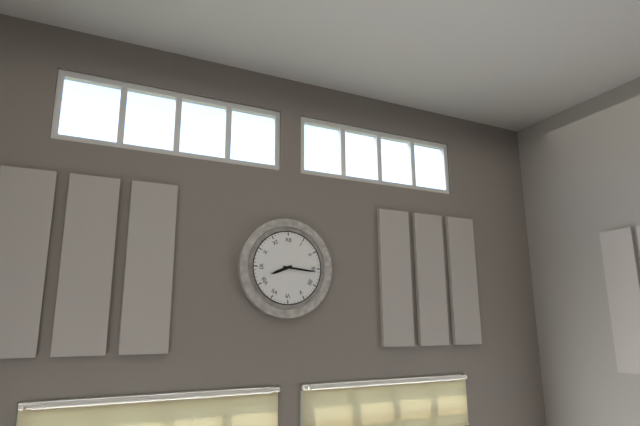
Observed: 8h16
